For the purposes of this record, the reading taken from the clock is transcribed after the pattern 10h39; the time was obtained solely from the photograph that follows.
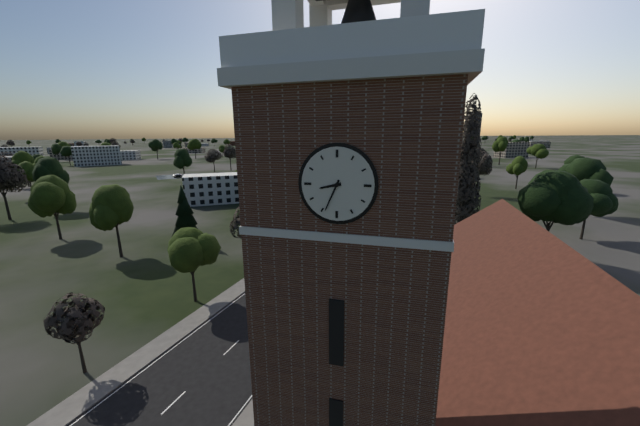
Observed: 8h34
